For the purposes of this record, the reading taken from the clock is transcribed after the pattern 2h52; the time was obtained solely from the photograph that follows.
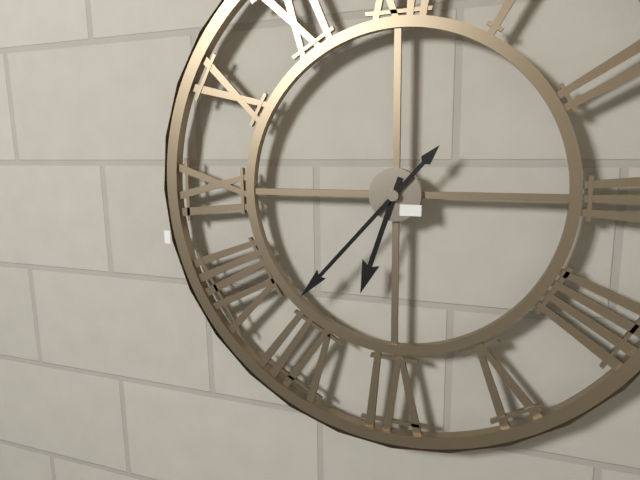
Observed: 6h37
